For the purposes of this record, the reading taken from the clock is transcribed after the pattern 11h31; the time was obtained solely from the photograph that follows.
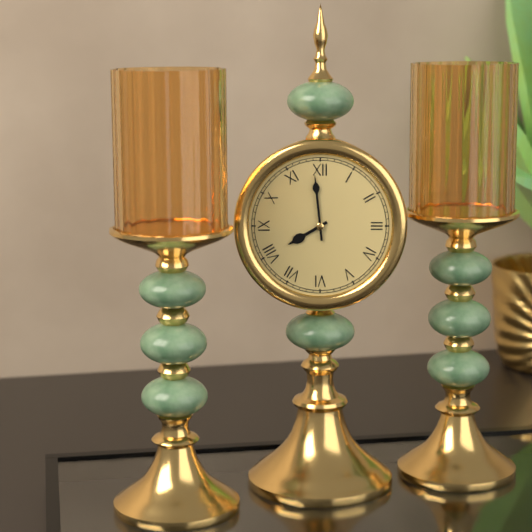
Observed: 7h59
